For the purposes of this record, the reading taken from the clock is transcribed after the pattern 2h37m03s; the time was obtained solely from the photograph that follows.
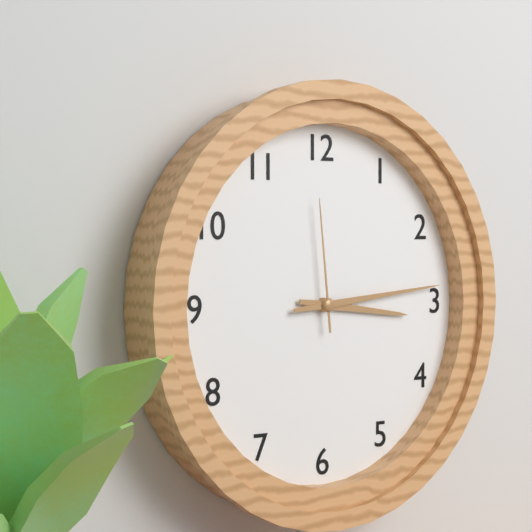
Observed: 3h14m59s
